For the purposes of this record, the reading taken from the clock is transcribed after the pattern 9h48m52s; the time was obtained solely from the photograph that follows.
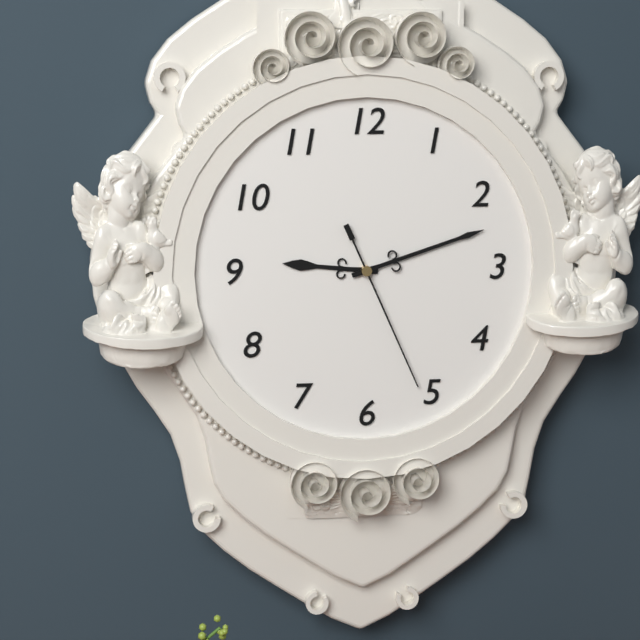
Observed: 9h12m26s
